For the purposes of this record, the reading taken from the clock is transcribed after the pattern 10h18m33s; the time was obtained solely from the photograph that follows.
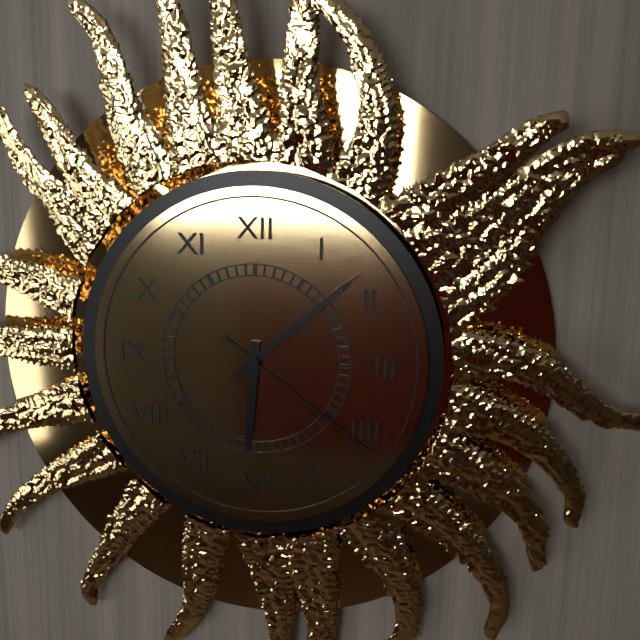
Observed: 6h08m21s
